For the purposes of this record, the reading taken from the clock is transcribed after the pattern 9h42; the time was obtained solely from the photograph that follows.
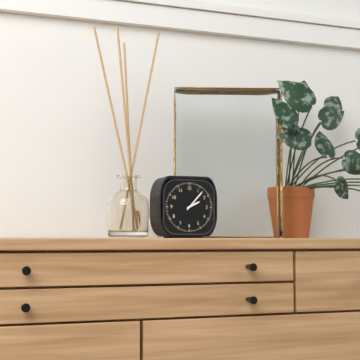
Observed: 2h07
